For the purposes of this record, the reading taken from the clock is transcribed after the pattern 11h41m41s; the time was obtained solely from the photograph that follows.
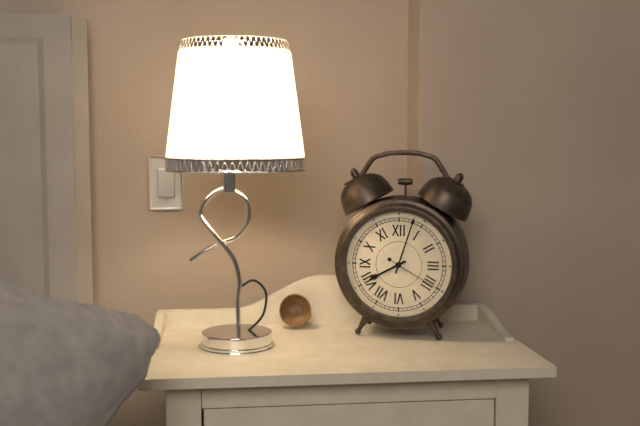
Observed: 8h03m20s
